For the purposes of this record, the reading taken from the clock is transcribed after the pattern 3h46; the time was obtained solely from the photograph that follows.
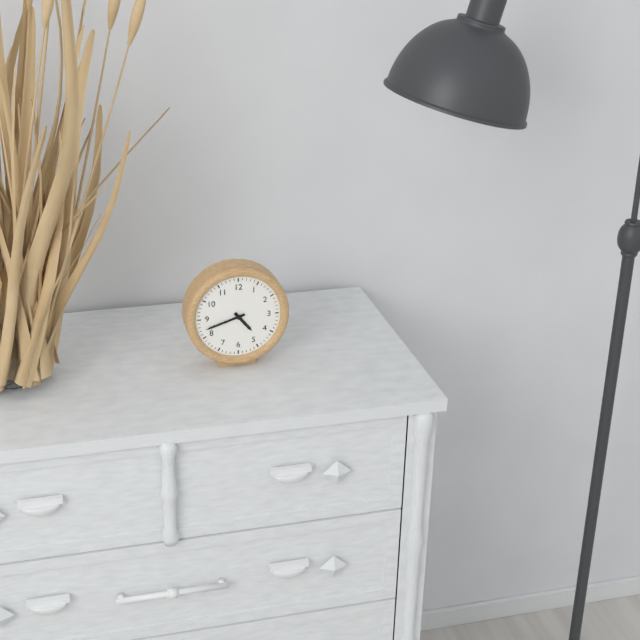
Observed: 4h42
